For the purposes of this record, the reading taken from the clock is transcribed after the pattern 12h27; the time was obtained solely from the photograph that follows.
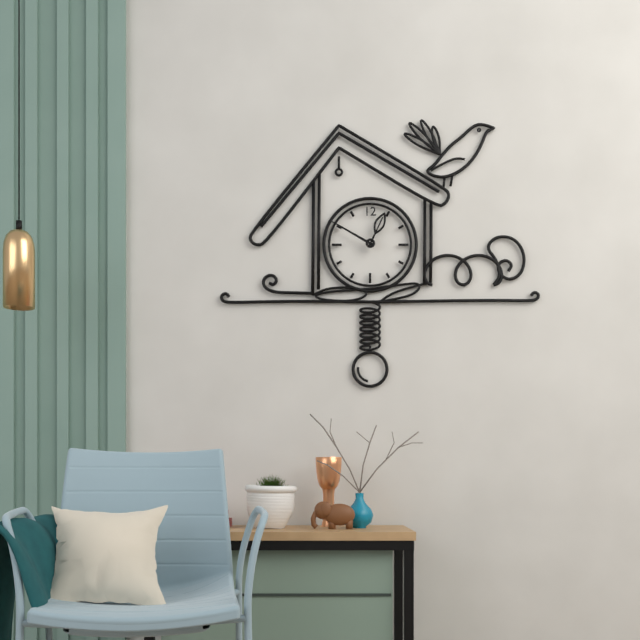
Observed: 12h50
